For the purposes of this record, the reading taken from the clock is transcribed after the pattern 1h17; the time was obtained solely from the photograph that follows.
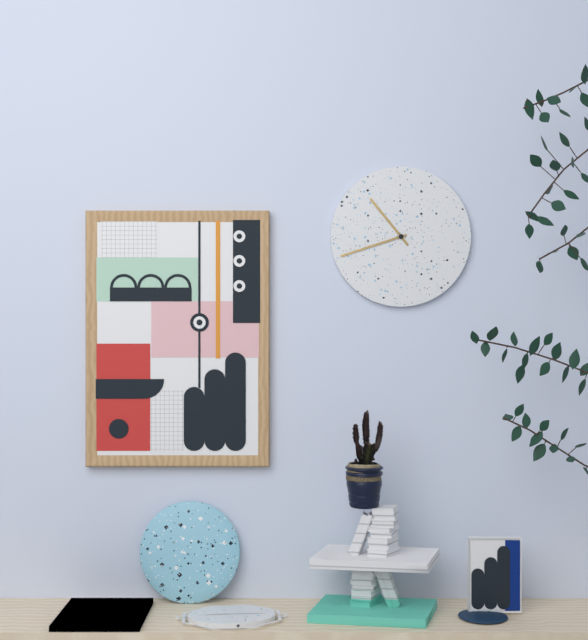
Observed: 10h42
